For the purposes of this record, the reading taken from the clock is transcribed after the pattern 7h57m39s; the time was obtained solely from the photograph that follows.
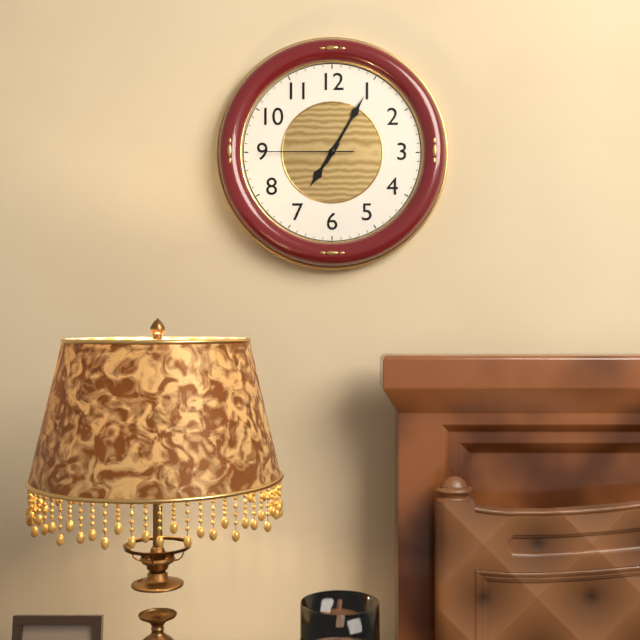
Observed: 7h05m45s
